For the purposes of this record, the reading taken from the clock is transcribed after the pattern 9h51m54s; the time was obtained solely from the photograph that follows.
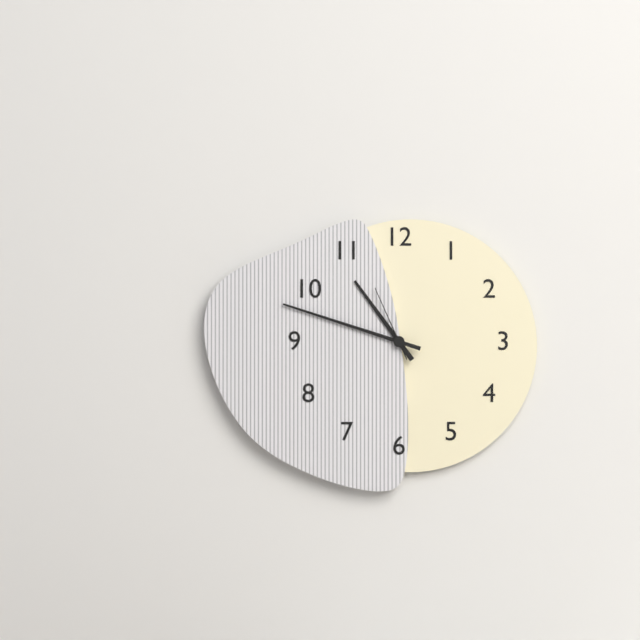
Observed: 10h48m56s
